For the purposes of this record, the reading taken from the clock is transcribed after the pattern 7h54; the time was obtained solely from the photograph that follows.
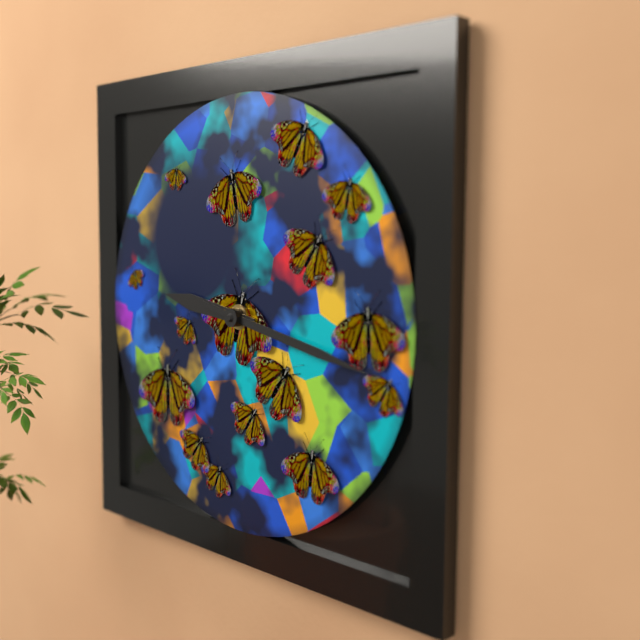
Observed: 9h17
